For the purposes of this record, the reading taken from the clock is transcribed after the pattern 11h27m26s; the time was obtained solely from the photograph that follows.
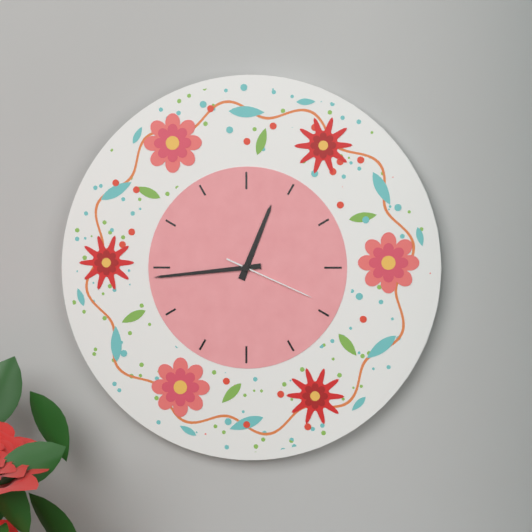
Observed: 12h44m19s
